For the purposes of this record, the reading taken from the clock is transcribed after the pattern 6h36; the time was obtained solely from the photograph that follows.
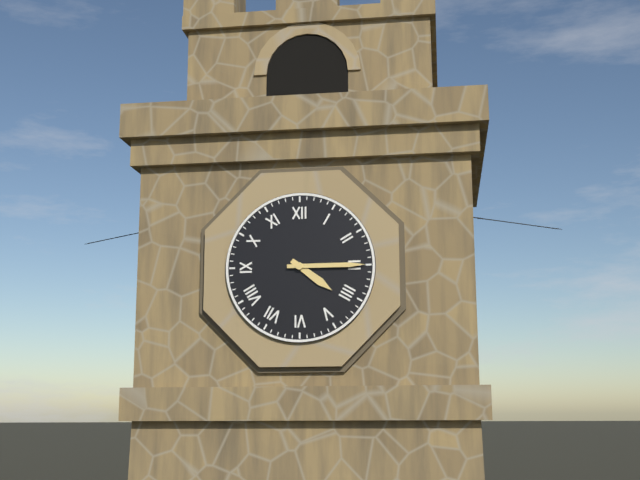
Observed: 4h15
